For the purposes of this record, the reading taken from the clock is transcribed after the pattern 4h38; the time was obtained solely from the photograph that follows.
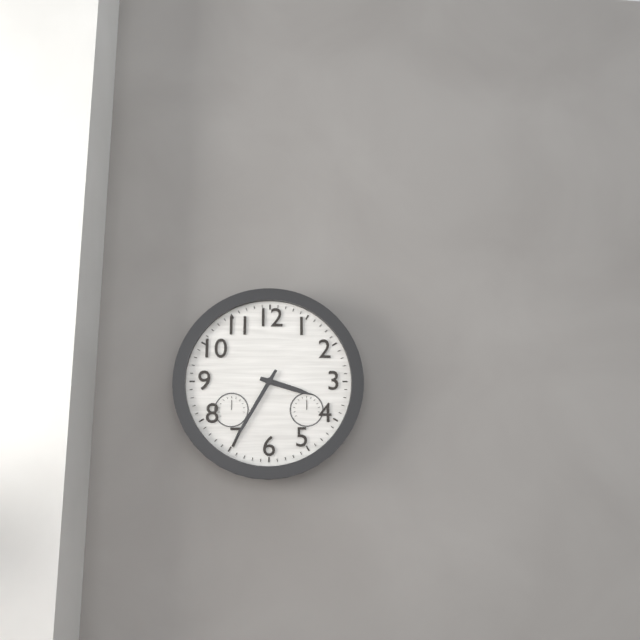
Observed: 3h35
